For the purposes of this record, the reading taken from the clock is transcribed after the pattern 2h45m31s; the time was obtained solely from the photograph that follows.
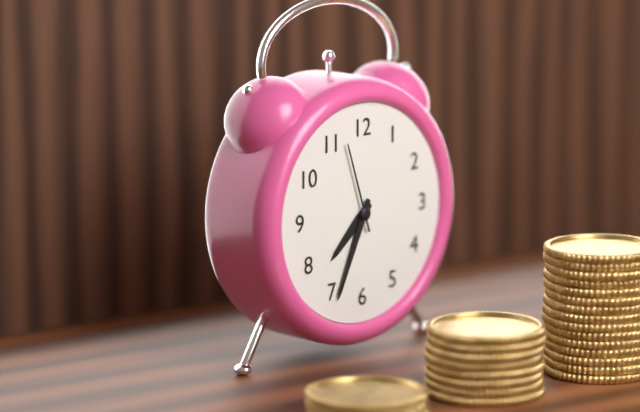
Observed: 7h34m57s
